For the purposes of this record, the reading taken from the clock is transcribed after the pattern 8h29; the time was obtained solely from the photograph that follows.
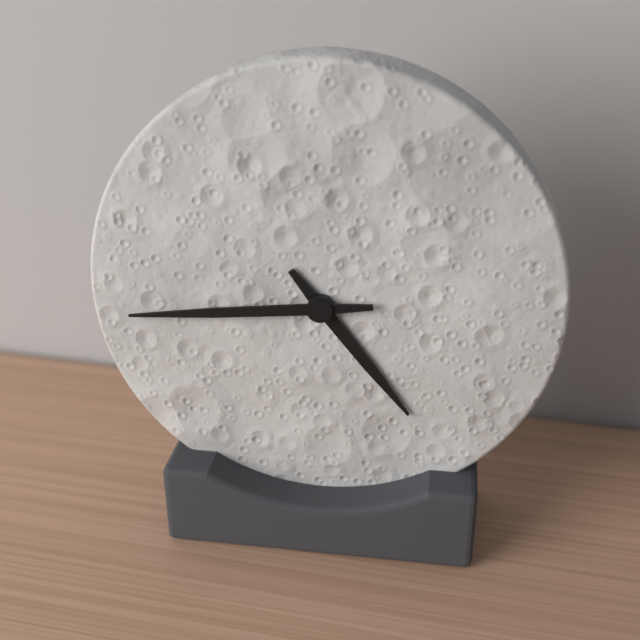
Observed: 4h44
